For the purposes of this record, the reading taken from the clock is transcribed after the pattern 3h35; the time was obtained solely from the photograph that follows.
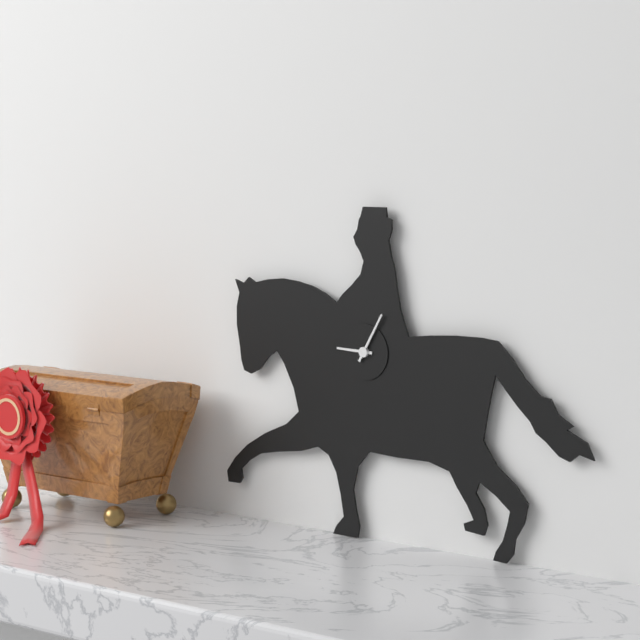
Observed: 9h05
